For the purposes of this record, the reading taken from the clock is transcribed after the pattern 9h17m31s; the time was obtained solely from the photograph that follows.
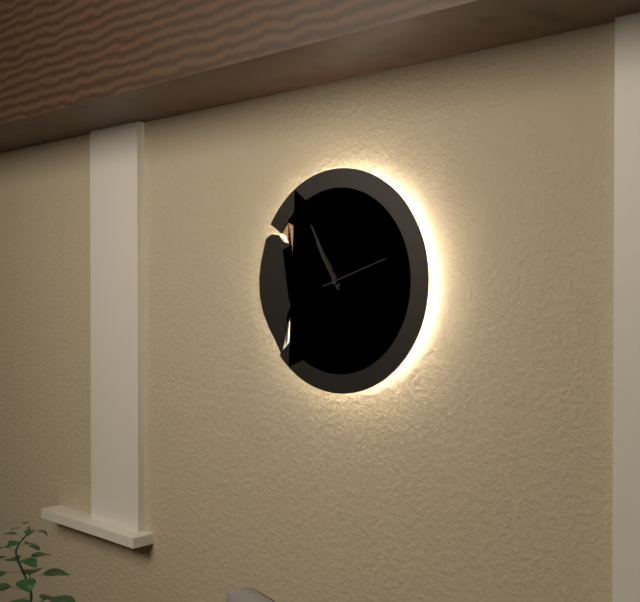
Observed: 10h55m12s
